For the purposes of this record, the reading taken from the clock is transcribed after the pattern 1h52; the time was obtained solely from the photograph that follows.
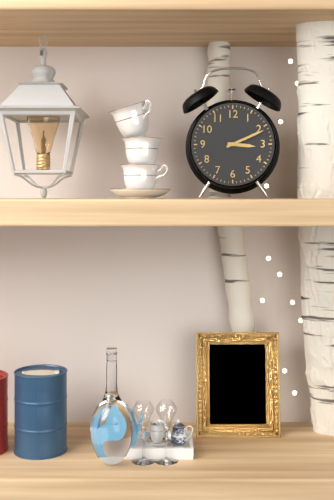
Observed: 3h11
